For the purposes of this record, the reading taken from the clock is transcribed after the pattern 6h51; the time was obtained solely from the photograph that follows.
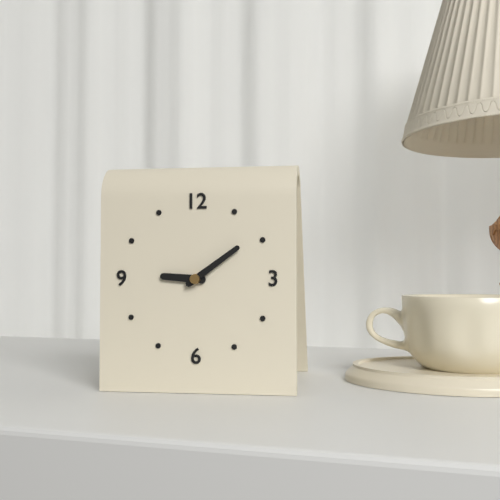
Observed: 9h09
